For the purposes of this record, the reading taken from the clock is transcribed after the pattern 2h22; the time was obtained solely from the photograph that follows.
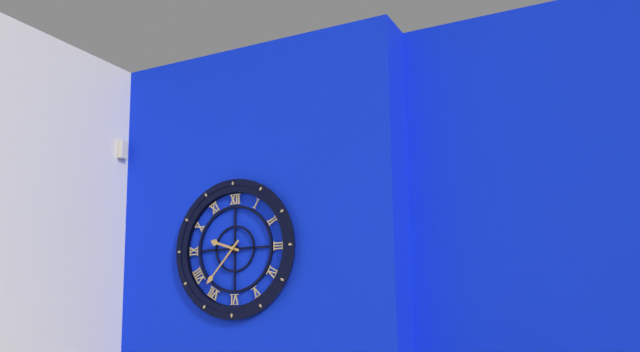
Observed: 9h37
